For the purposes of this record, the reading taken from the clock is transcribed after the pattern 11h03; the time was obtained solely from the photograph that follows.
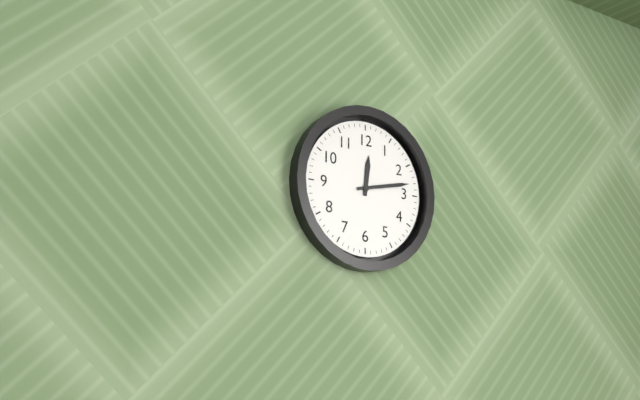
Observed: 12h13
